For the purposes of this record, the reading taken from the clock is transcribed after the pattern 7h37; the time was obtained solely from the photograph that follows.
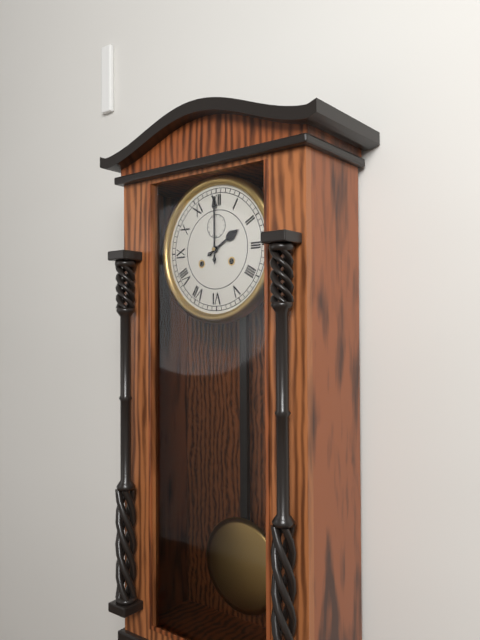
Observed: 2h00
